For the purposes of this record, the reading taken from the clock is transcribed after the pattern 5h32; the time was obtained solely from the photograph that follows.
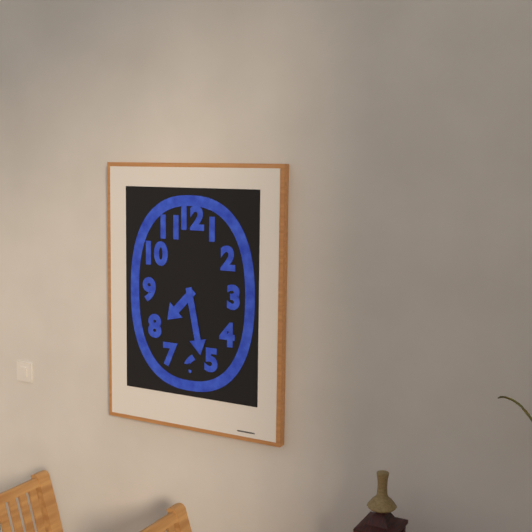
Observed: 7h28
